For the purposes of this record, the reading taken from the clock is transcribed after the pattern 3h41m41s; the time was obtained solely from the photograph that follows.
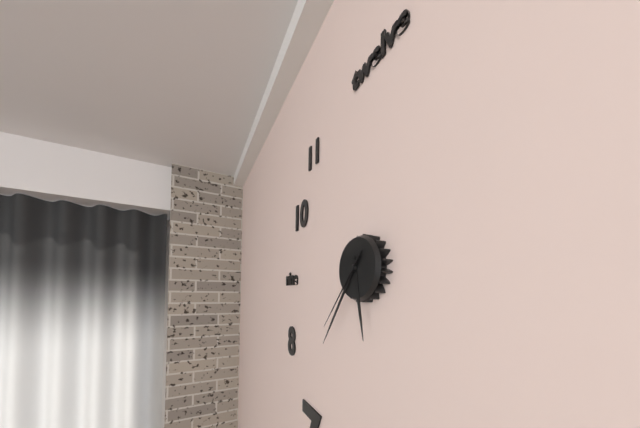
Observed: 5h36m37s
